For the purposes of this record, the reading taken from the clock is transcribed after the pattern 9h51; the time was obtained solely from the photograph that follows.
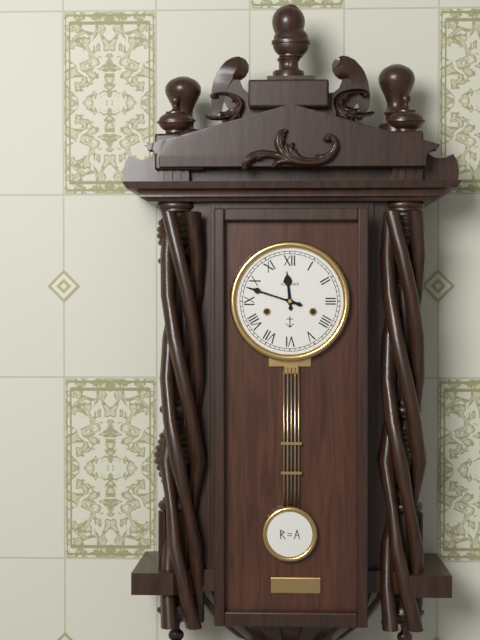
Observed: 11h48
